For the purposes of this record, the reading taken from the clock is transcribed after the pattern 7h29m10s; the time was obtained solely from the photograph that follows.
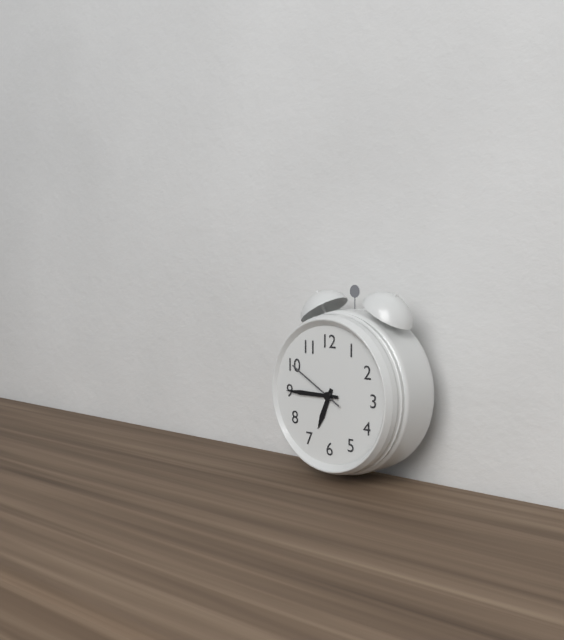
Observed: 6h45m50s
